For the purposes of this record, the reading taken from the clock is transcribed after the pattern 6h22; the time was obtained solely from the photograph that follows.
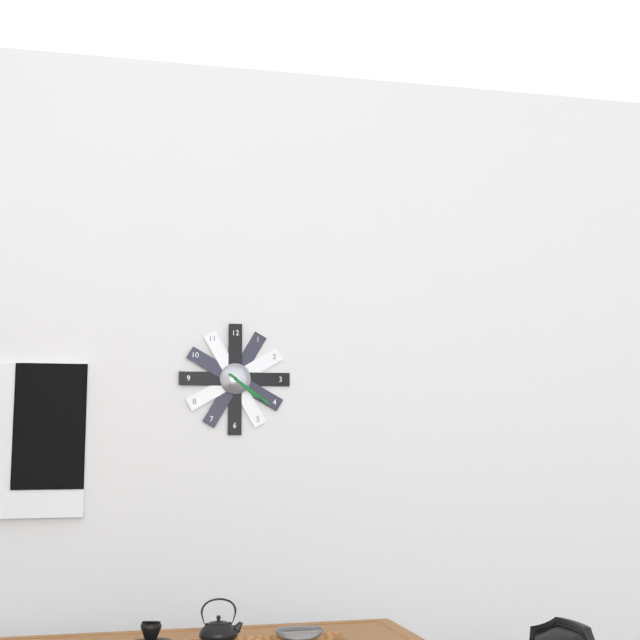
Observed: 4h21
